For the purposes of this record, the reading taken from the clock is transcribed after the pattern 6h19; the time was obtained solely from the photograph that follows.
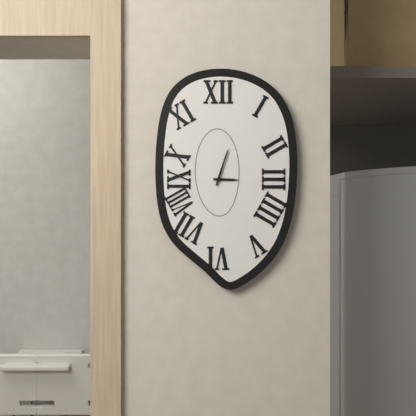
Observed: 3h03
